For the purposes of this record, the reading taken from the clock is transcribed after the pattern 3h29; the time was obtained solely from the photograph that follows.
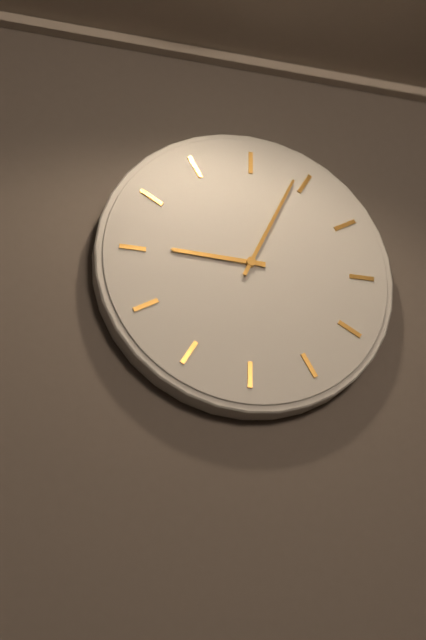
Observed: 9h04
